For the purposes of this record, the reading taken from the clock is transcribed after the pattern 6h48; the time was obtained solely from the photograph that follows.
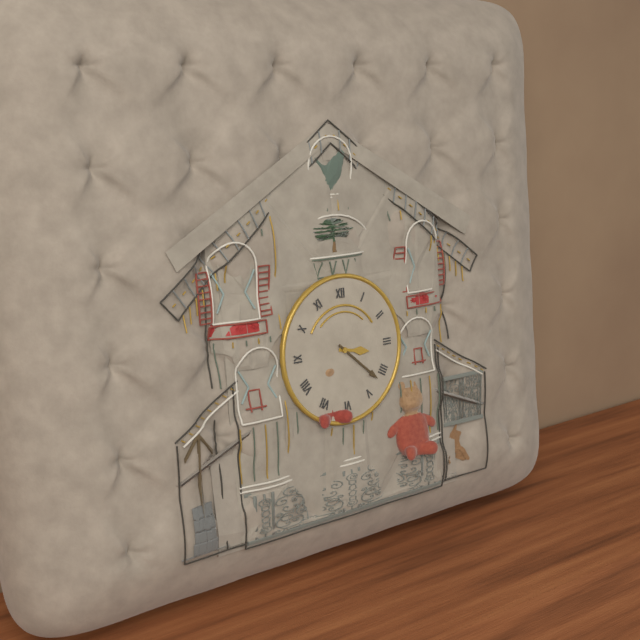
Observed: 3h22
